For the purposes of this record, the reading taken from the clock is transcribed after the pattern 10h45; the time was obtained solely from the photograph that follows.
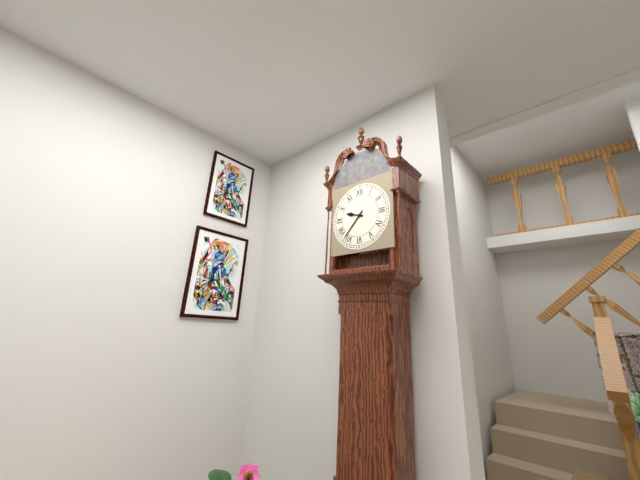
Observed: 9h37
